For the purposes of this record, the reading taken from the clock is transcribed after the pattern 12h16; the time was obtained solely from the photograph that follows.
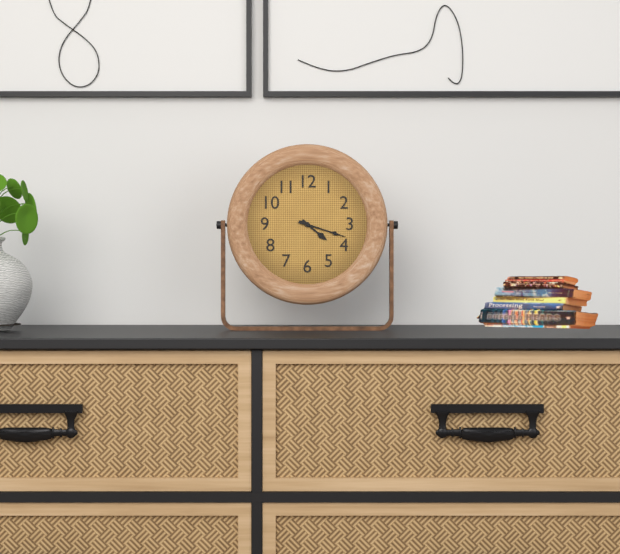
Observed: 4h18
